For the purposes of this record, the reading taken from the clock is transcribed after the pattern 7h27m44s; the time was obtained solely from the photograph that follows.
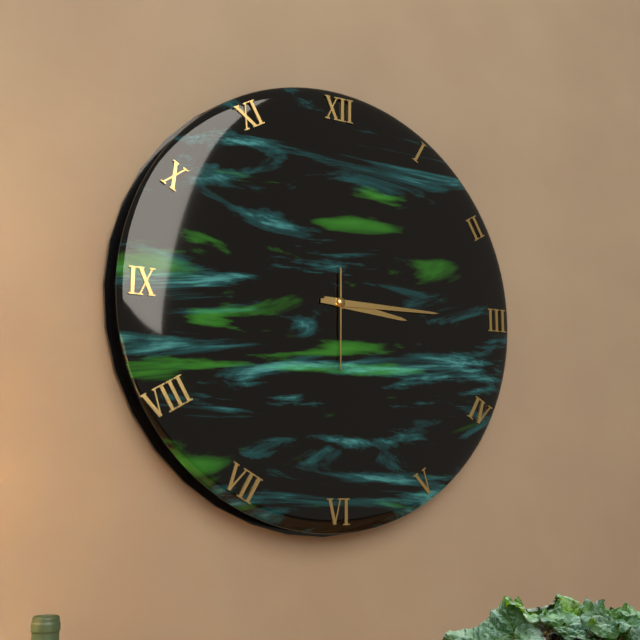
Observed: 3h15m30s
